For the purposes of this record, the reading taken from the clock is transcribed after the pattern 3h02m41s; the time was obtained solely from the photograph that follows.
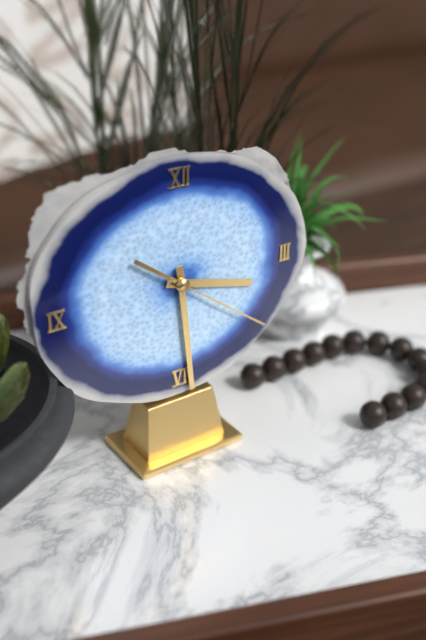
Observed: 3h29m21s
